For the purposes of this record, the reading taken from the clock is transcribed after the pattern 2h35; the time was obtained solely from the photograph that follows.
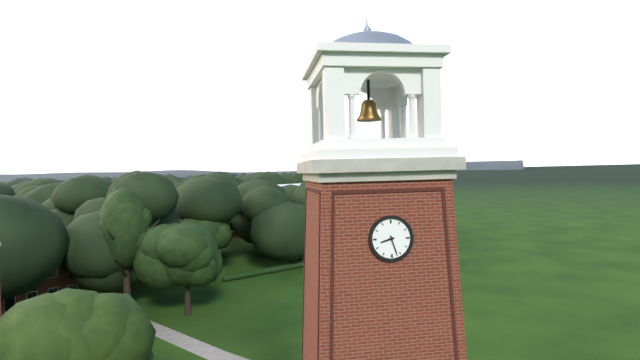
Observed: 8h27
